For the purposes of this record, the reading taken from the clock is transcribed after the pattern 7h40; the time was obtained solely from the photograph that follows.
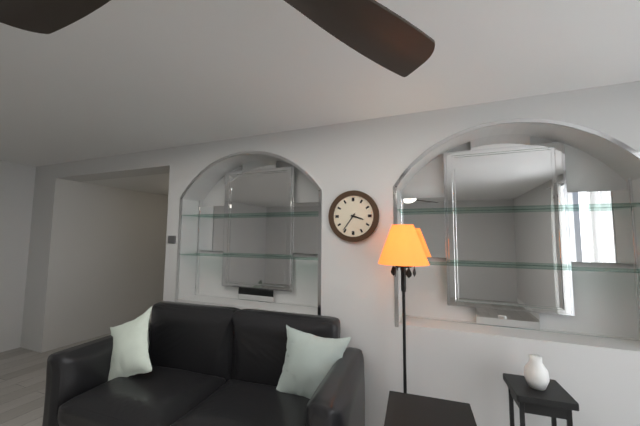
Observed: 3h36
